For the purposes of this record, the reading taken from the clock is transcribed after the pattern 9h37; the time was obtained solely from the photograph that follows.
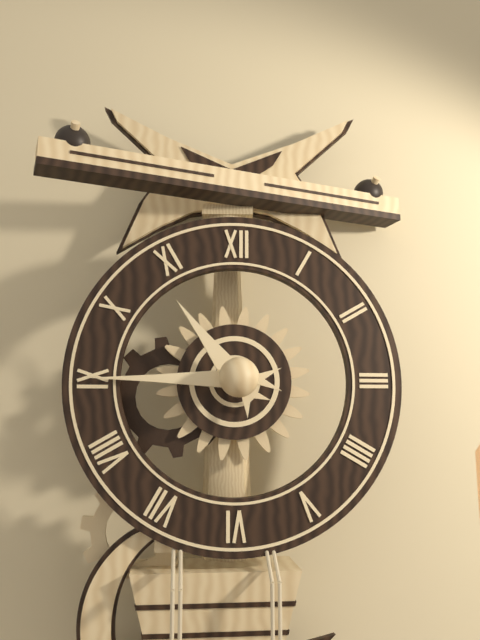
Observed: 10h45
